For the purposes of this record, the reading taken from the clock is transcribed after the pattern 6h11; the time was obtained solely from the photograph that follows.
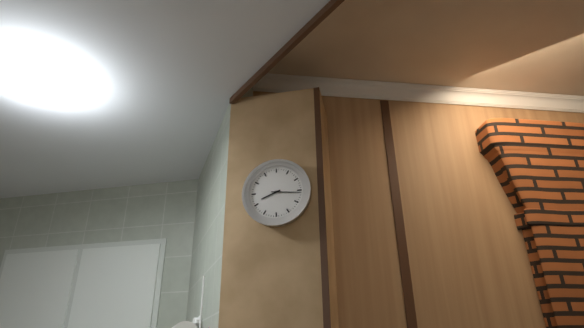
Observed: 8h16
